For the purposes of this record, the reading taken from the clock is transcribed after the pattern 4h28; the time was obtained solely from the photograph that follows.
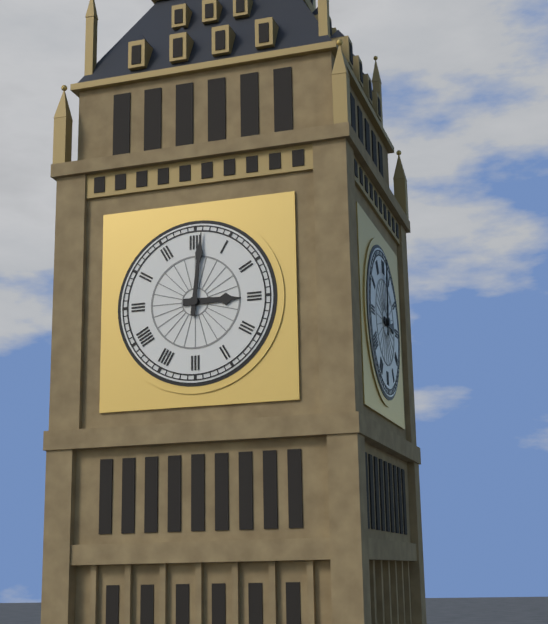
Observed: 3h01
